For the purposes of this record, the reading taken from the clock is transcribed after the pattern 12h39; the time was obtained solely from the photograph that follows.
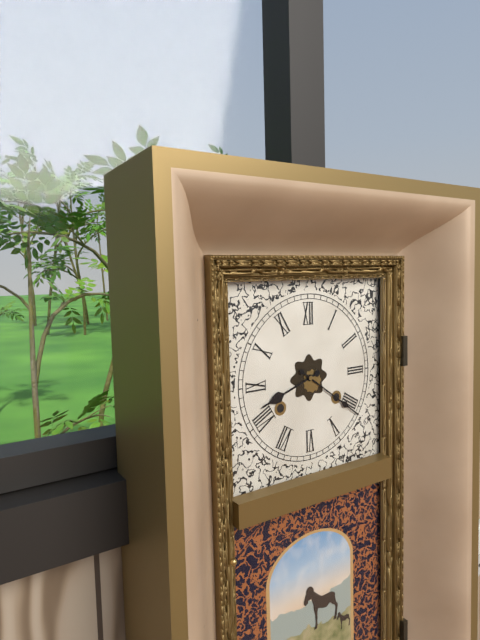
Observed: 8h21
